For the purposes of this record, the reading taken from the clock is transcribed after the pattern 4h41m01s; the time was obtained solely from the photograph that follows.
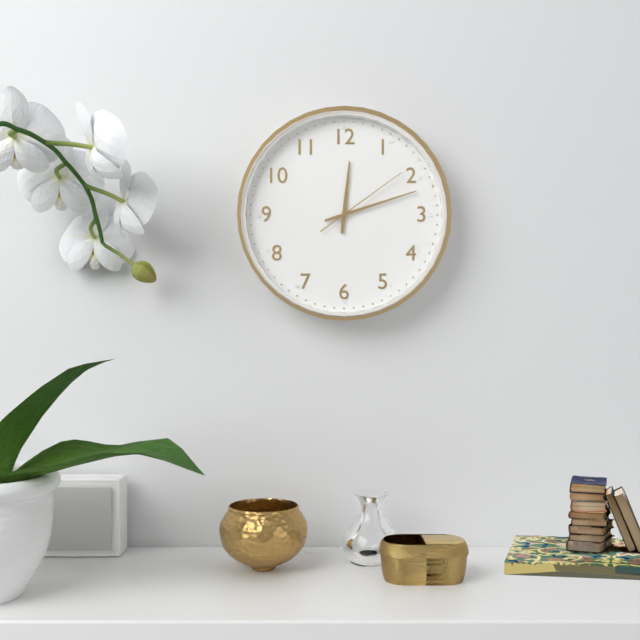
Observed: 12h12m09s
